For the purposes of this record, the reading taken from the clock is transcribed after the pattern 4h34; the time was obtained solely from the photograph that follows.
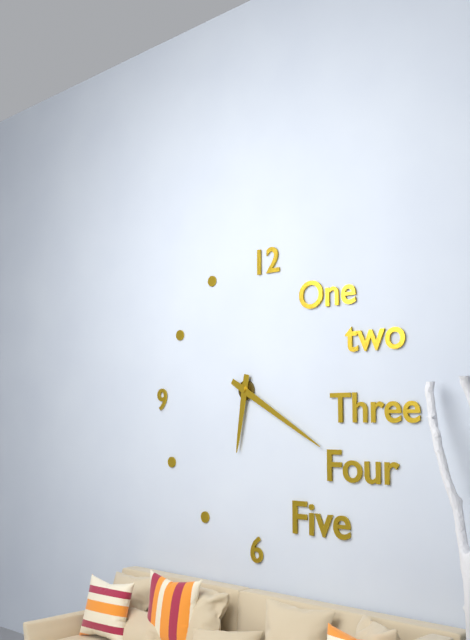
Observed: 6h20
